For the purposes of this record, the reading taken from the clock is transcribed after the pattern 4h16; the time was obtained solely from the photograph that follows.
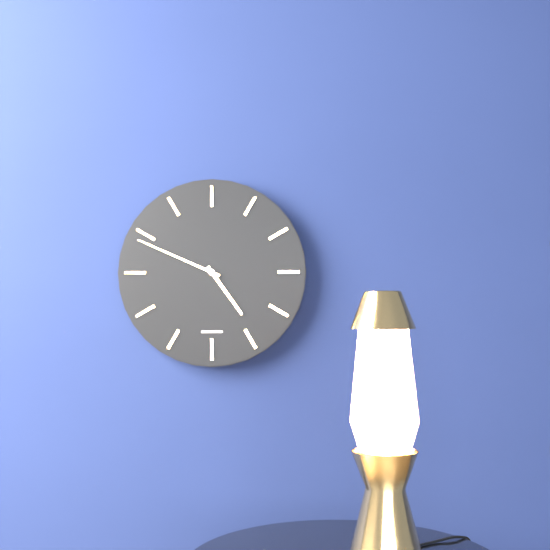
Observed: 4h49
